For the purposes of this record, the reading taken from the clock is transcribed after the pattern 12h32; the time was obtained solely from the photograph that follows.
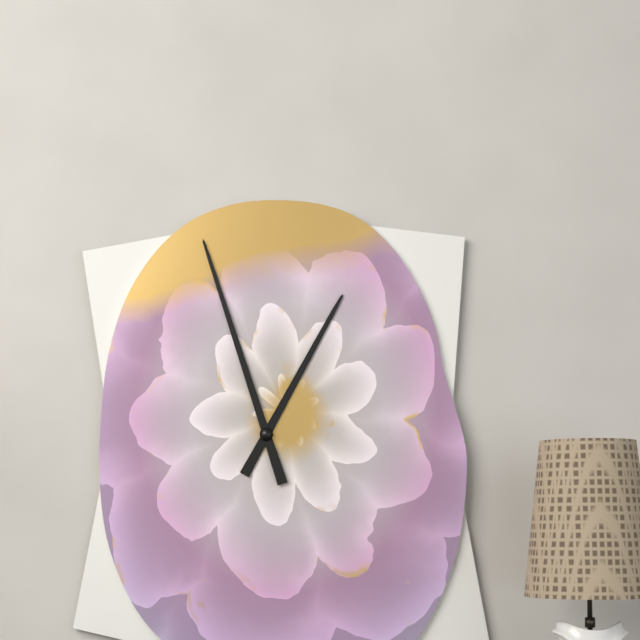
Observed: 12h57
